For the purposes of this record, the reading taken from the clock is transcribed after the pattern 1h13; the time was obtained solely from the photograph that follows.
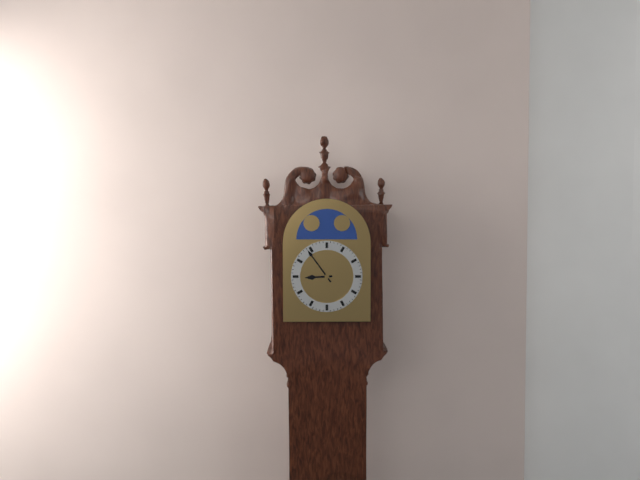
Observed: 8h54
